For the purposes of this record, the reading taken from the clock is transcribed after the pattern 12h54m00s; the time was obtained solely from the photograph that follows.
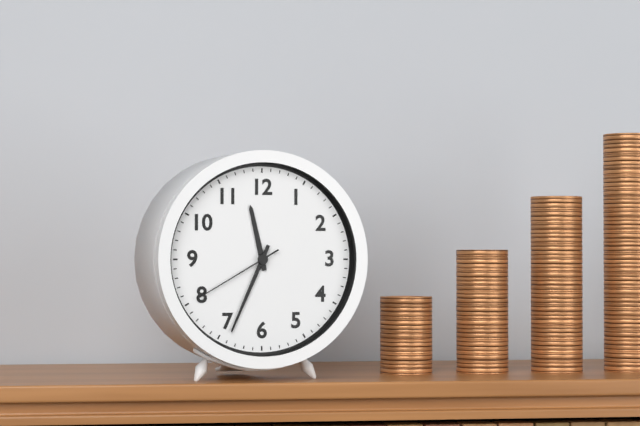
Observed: 11h34m40s
